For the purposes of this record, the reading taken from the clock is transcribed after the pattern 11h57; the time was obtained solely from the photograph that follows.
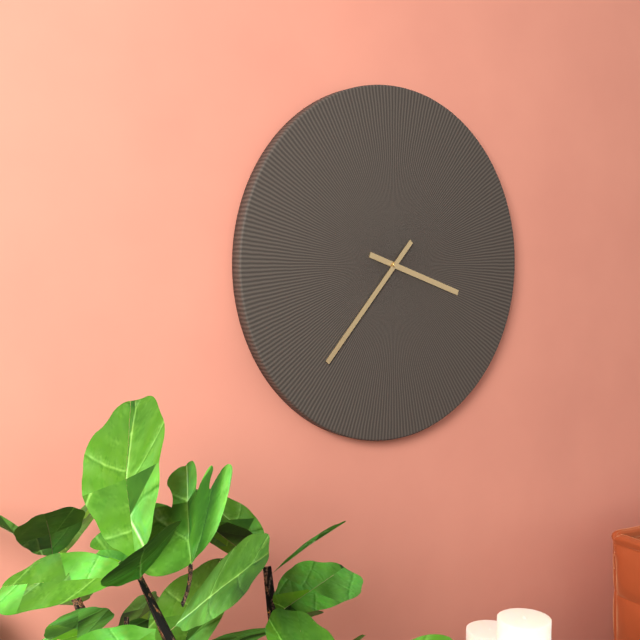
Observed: 3h37
